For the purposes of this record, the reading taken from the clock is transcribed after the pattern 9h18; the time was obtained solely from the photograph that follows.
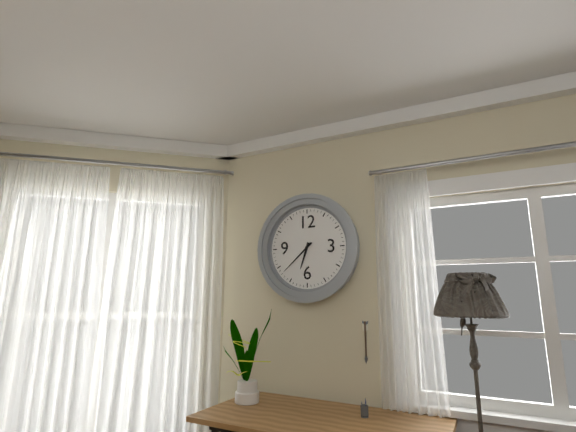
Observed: 6h38
